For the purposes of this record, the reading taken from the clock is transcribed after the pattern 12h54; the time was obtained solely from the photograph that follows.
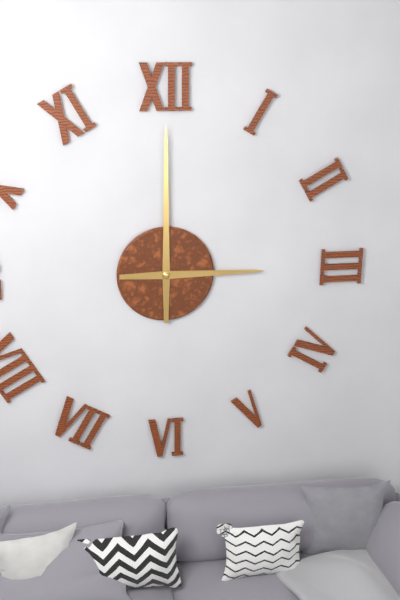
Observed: 3h00
